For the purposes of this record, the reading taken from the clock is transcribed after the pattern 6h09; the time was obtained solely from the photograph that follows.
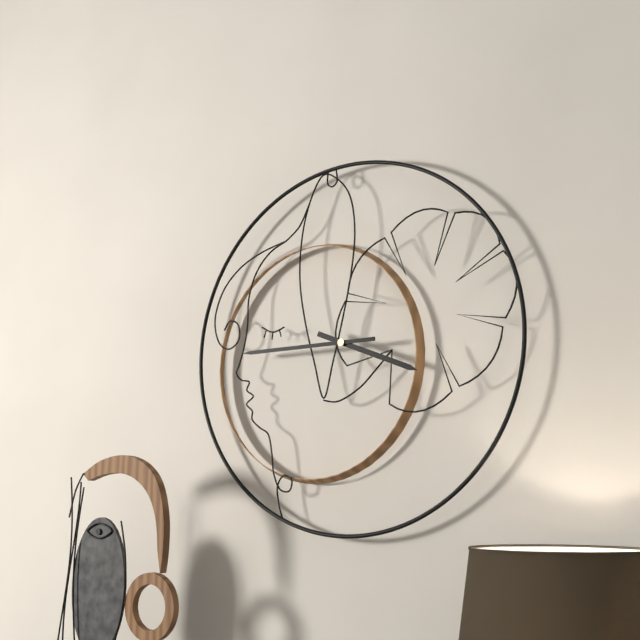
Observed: 3h45
